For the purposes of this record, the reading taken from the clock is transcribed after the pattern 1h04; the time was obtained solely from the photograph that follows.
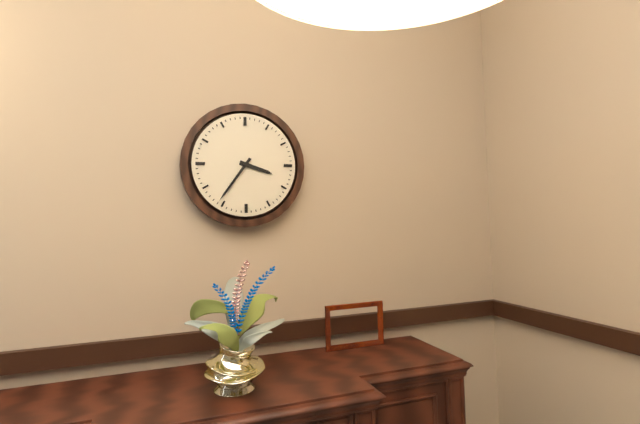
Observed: 3h36
